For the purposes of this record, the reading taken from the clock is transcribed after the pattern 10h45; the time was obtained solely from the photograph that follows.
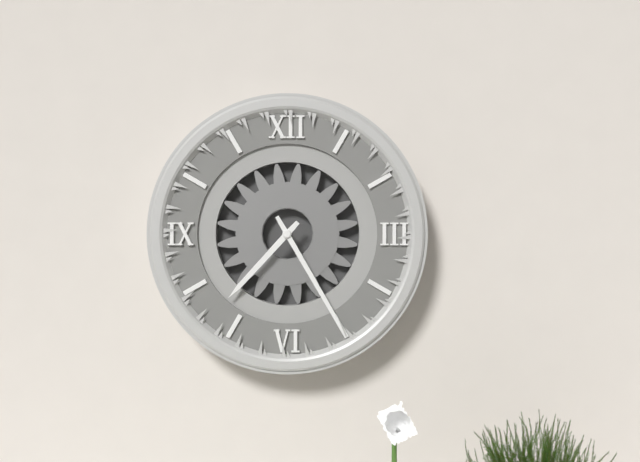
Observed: 7h25
